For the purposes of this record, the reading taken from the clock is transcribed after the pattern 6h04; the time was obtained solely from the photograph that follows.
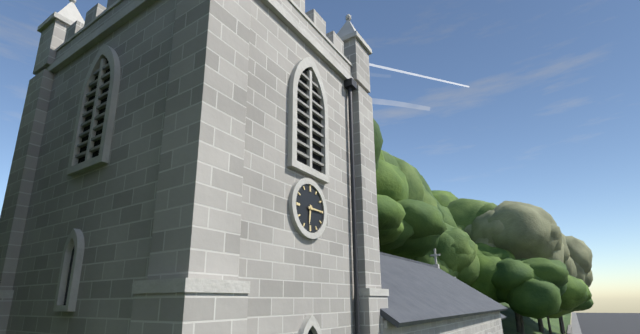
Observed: 6h15
